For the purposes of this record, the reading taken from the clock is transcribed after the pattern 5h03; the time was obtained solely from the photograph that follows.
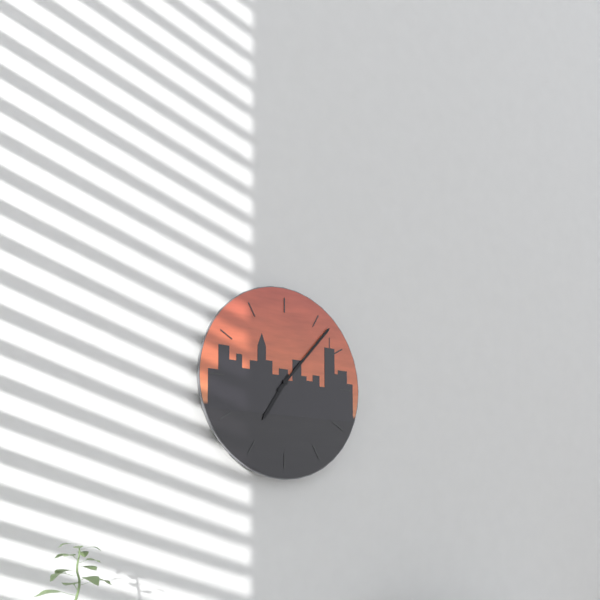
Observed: 7h07
